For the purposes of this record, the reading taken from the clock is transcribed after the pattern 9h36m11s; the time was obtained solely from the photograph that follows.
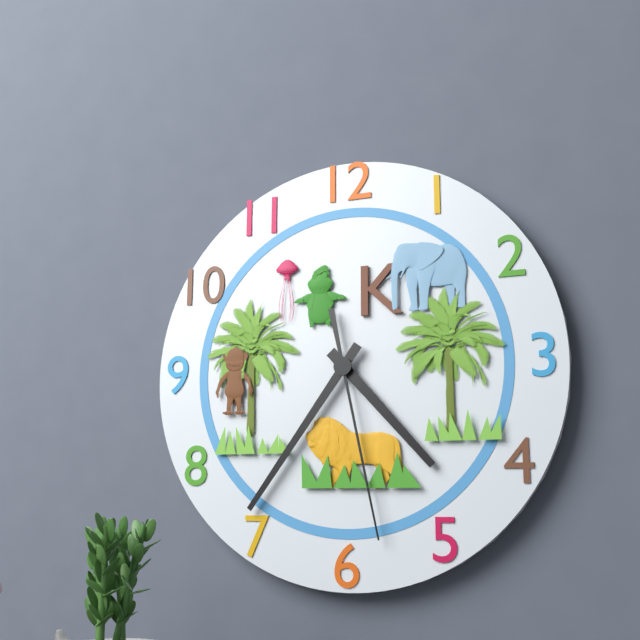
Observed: 4h36m28s
